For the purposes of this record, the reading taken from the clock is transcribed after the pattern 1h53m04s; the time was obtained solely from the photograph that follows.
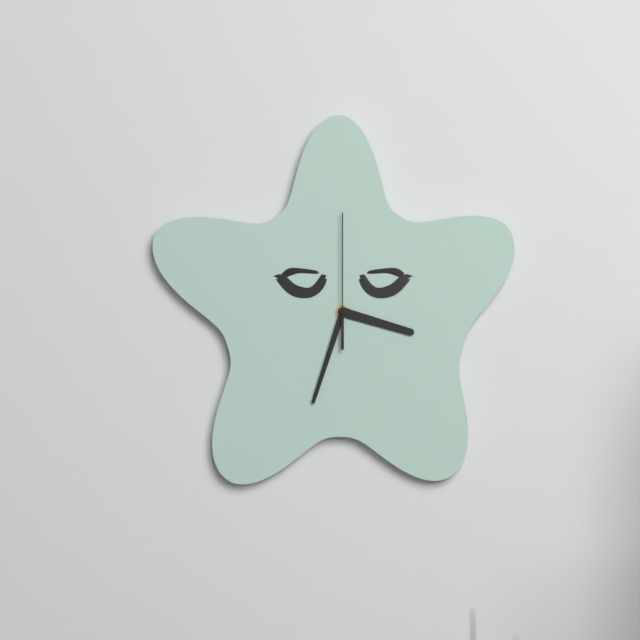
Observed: 3h33m00s
